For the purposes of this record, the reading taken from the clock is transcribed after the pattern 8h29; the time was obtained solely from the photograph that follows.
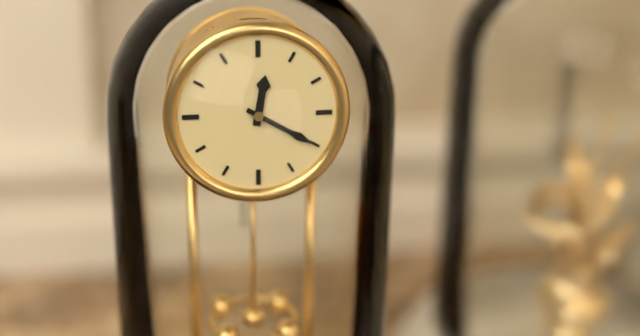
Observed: 12h20
